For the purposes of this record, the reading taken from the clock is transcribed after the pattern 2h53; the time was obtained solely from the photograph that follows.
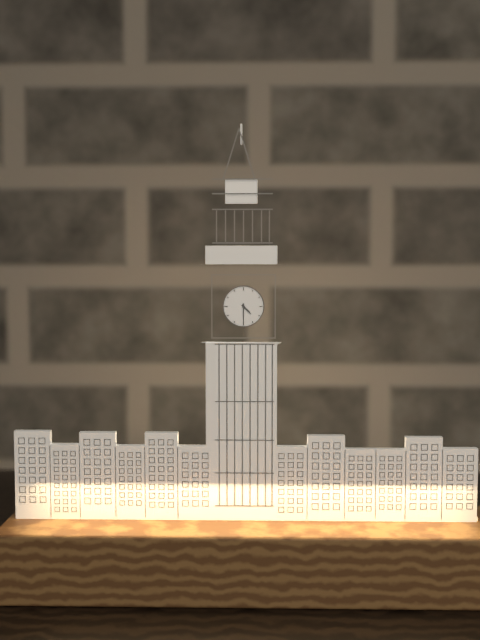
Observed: 4h30
